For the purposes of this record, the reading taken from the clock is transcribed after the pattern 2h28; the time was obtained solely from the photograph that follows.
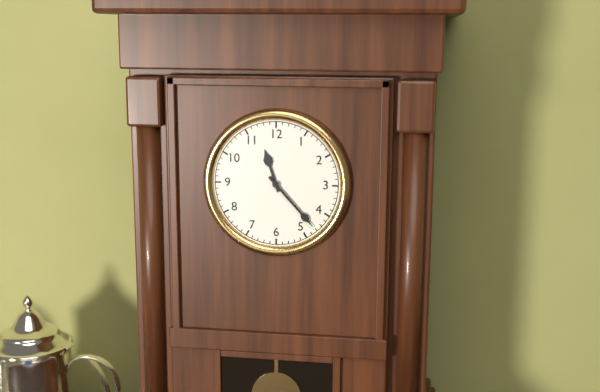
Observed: 11h23
